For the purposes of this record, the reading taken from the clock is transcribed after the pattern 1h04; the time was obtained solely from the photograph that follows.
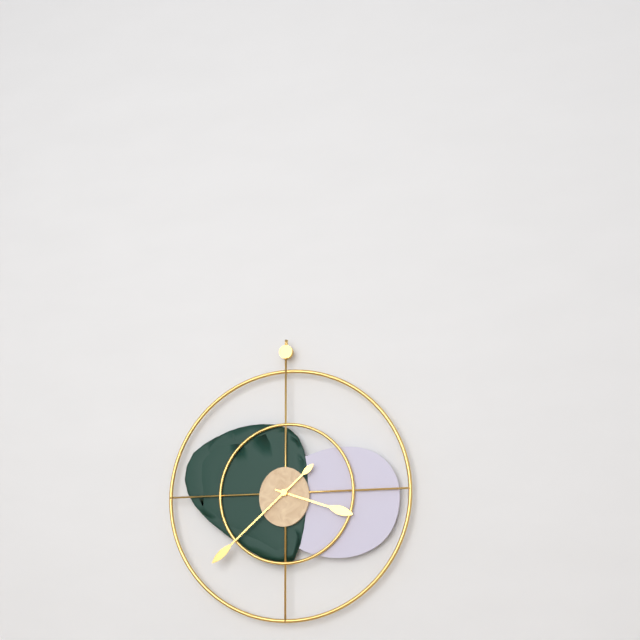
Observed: 3h38
